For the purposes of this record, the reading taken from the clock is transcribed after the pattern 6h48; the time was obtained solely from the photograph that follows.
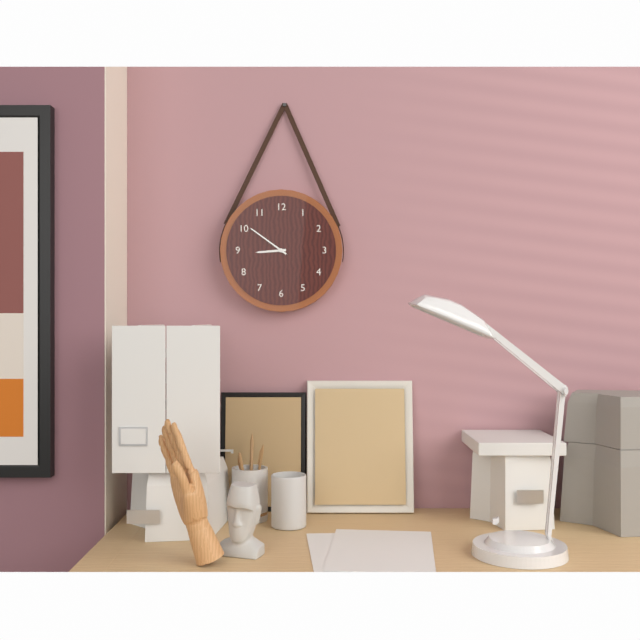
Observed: 8h51
